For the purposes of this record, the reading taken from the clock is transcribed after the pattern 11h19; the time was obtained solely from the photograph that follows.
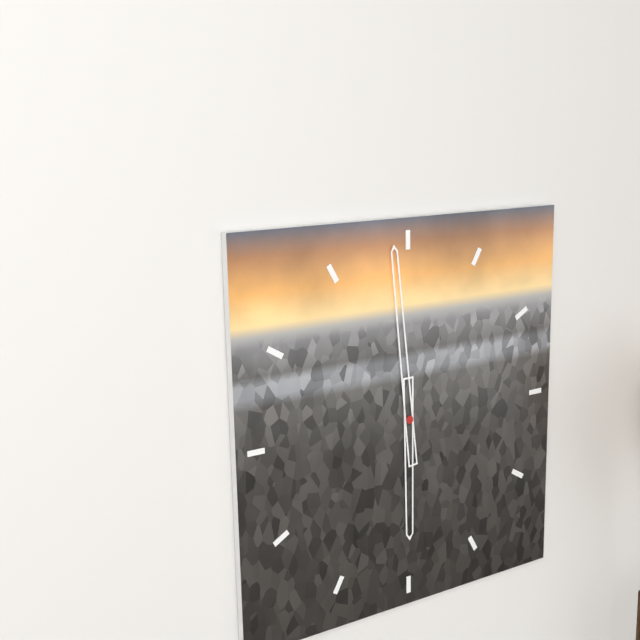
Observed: 5h59
